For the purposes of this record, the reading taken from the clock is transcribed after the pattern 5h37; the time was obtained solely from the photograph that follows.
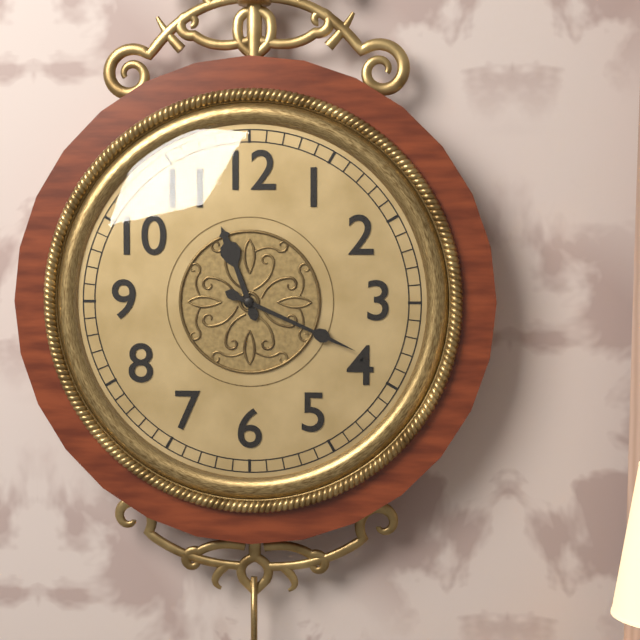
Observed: 11h19
